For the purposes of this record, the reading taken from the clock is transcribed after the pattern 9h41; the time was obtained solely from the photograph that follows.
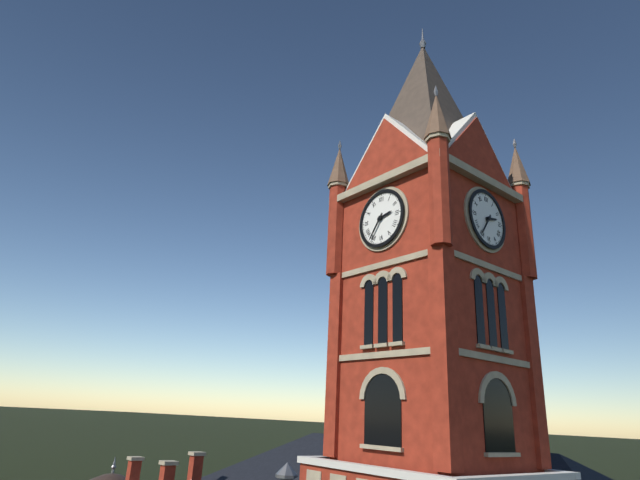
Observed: 2h36
